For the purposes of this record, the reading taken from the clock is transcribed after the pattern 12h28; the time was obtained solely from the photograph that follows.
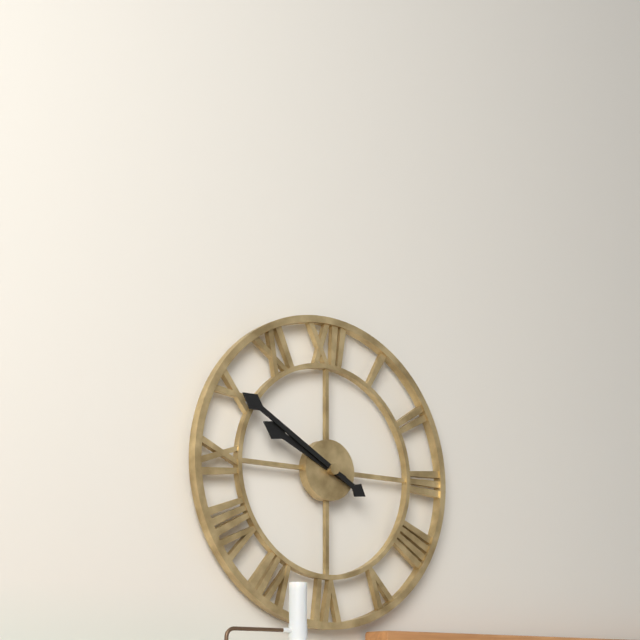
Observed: 9h50
